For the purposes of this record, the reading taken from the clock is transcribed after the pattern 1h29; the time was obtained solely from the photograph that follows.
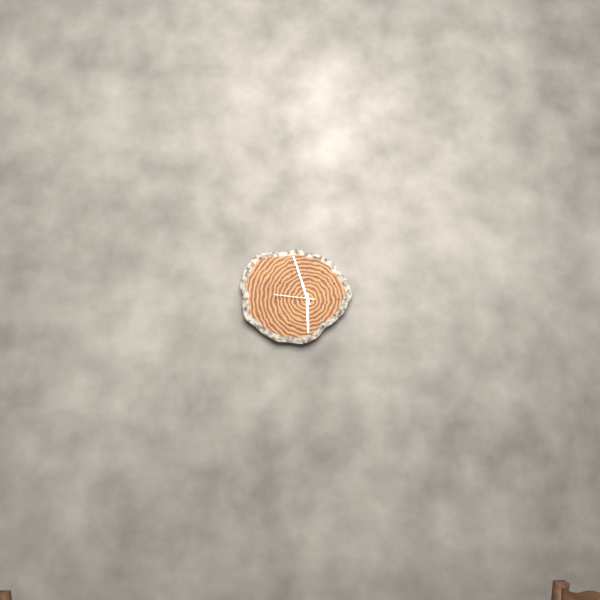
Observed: 5h57
